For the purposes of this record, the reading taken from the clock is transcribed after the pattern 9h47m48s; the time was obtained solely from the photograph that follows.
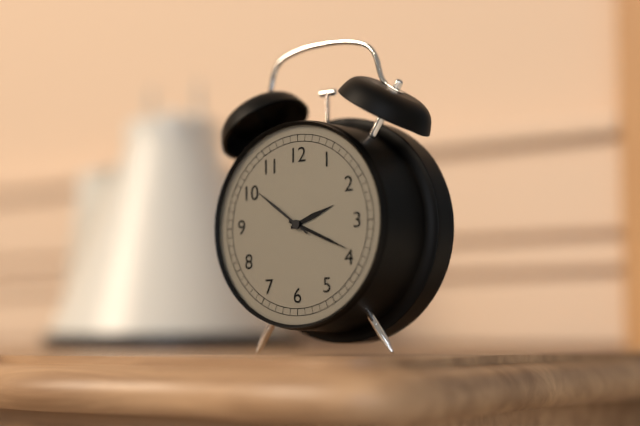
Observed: 2h19m51s
